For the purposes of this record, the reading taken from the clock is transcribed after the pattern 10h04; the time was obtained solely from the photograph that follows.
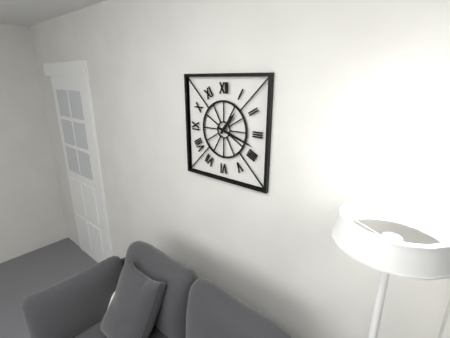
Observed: 1h18
